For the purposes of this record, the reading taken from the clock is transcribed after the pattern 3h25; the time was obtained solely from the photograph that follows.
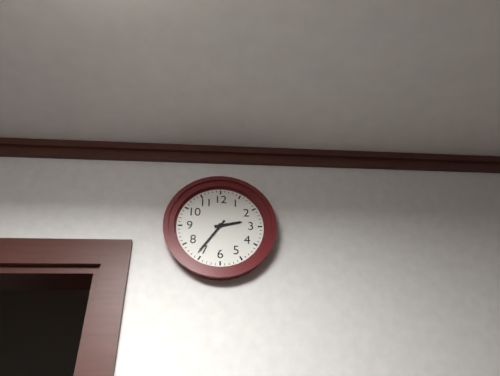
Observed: 2h36
